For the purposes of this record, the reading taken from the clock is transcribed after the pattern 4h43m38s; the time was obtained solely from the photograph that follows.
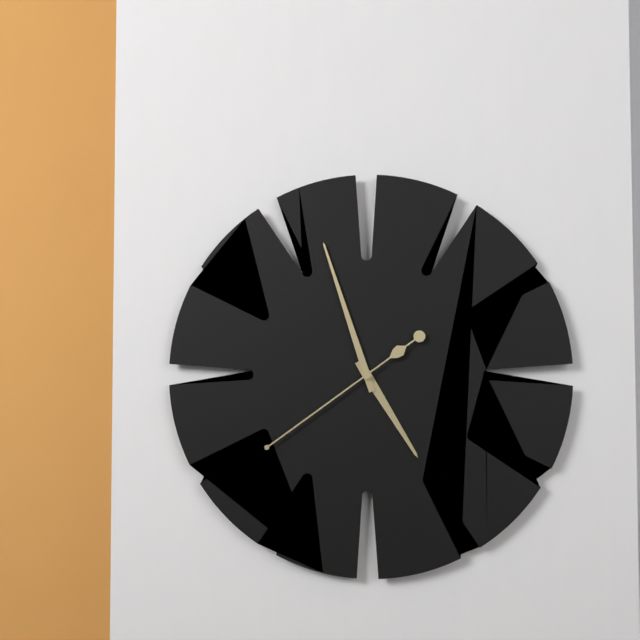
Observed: 4h57m39s
